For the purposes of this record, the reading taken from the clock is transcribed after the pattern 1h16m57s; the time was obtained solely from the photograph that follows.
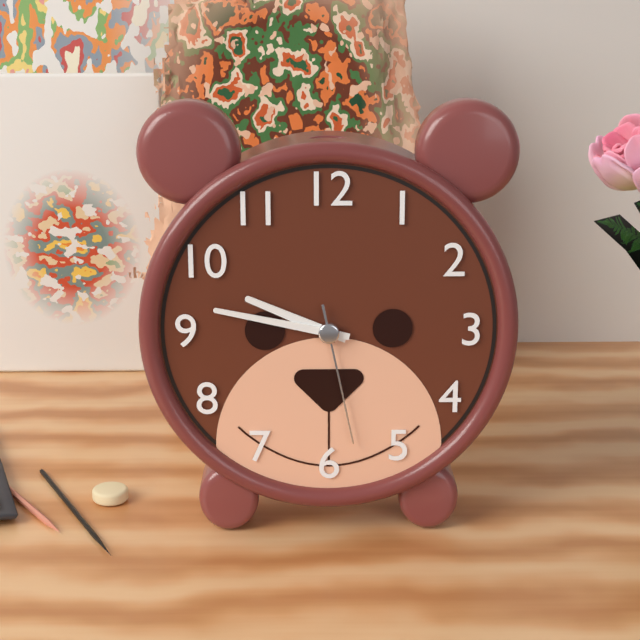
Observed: 9h47m28s
